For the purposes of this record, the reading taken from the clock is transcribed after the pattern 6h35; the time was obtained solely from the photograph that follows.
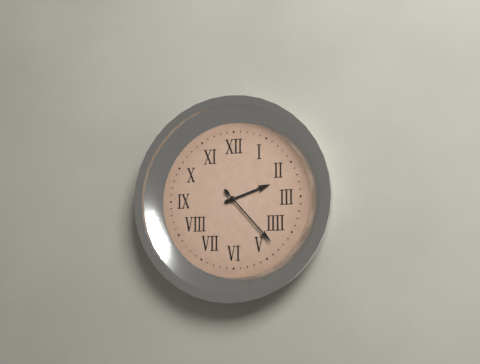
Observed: 2h23
